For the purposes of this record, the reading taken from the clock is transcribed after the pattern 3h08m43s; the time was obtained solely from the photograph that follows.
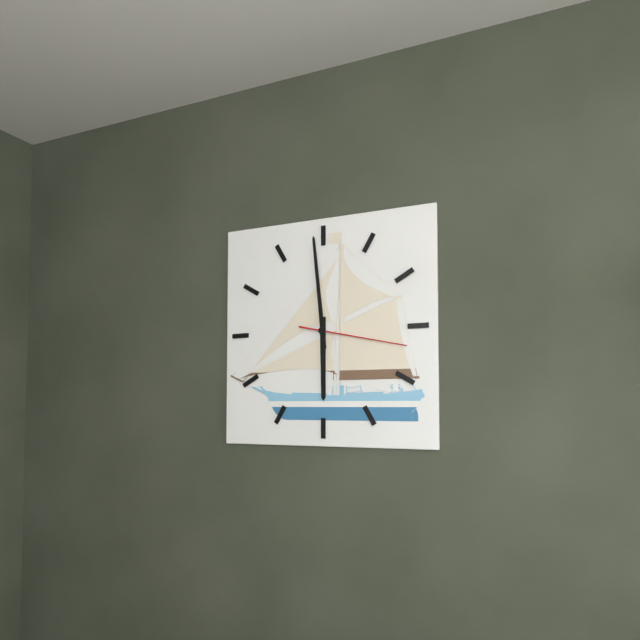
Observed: 5h59m17s
